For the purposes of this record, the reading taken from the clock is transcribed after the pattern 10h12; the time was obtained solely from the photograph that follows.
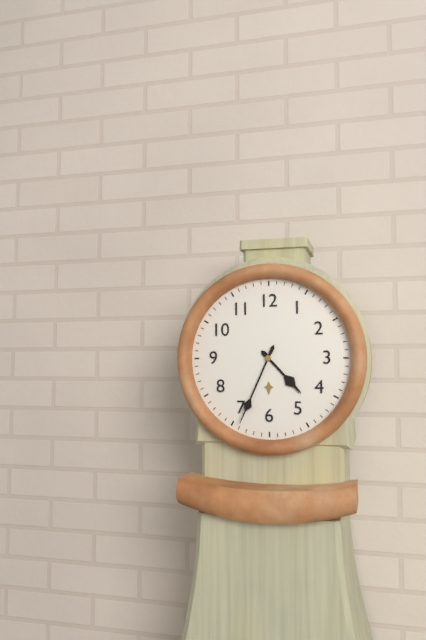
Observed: 4h34
